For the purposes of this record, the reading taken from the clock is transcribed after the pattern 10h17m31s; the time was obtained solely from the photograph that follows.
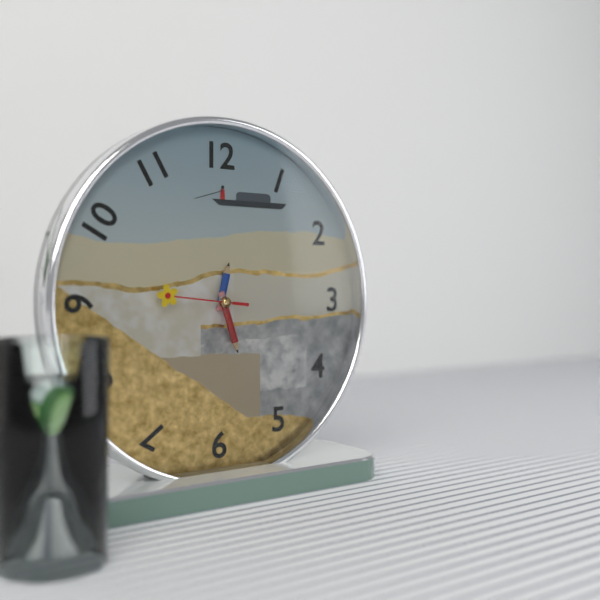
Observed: 12h27m46s
